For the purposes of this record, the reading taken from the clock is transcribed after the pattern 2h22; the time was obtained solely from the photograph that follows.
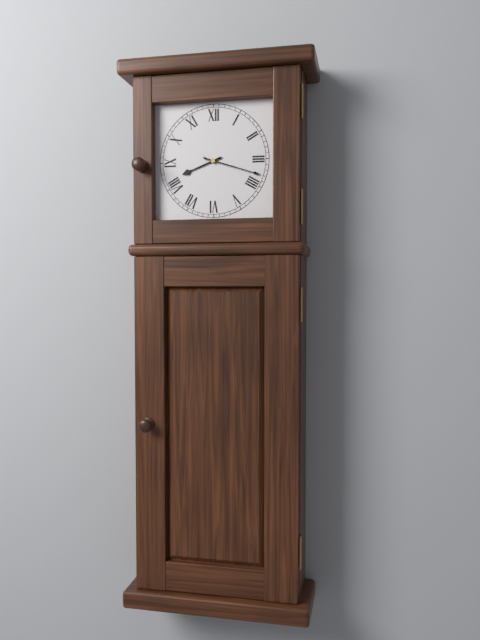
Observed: 8h18
